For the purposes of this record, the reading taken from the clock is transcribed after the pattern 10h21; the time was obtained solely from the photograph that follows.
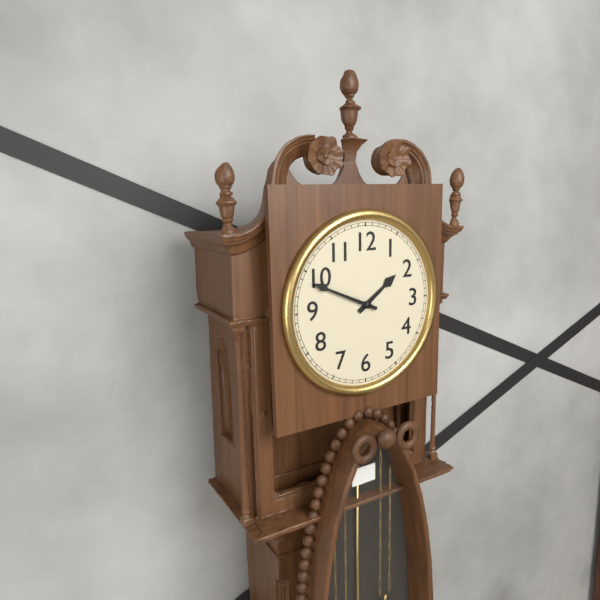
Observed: 1h49
